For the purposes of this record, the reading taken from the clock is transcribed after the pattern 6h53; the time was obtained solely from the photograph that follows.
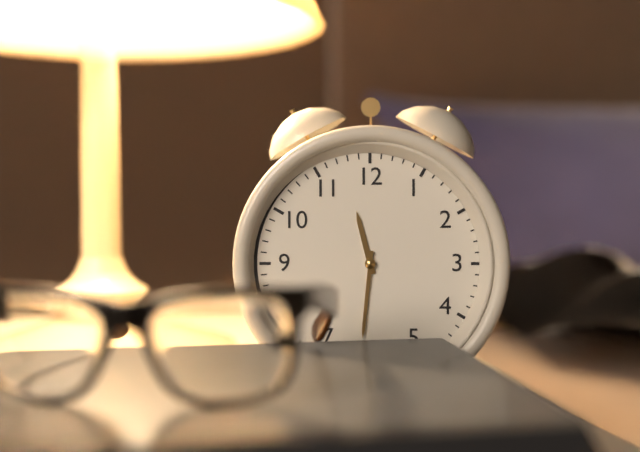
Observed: 11h31
